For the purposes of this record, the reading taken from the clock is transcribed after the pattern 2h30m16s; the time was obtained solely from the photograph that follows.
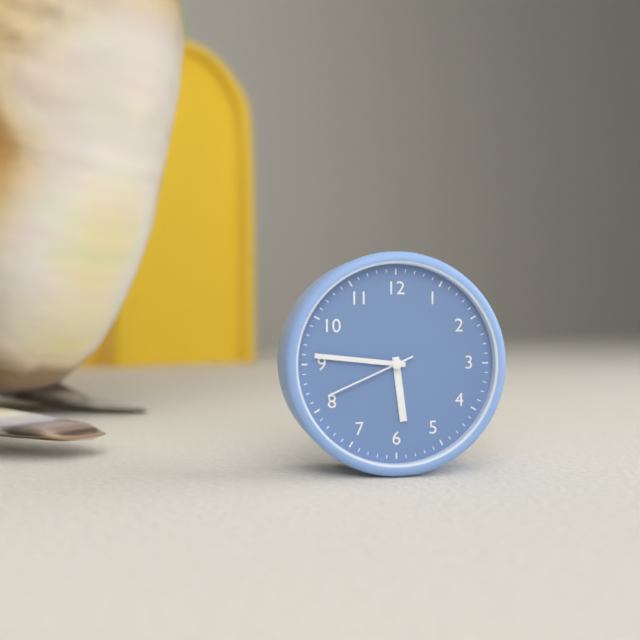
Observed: 5h46m41s
